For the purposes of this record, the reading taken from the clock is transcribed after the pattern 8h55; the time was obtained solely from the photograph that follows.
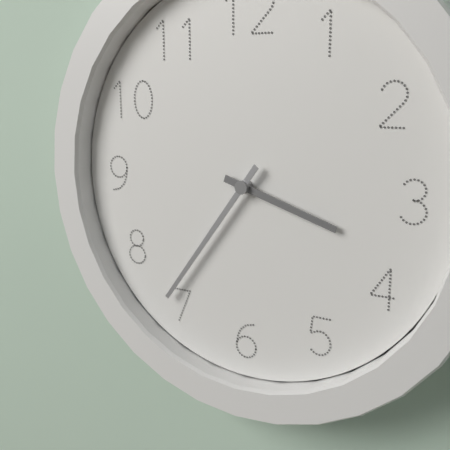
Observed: 3h36
